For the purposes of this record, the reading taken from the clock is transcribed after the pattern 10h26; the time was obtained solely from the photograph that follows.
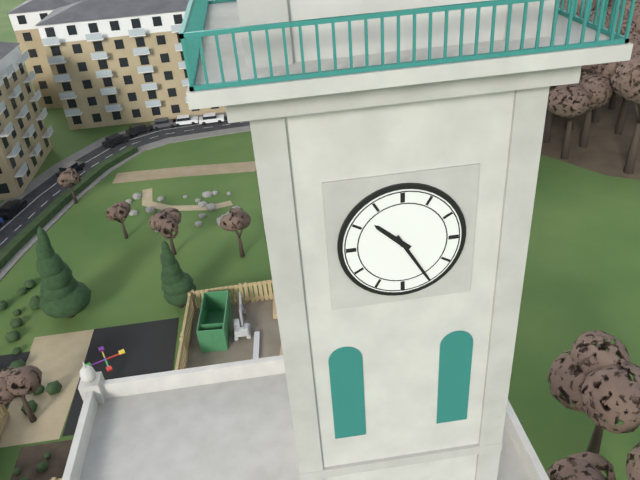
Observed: 10h25
